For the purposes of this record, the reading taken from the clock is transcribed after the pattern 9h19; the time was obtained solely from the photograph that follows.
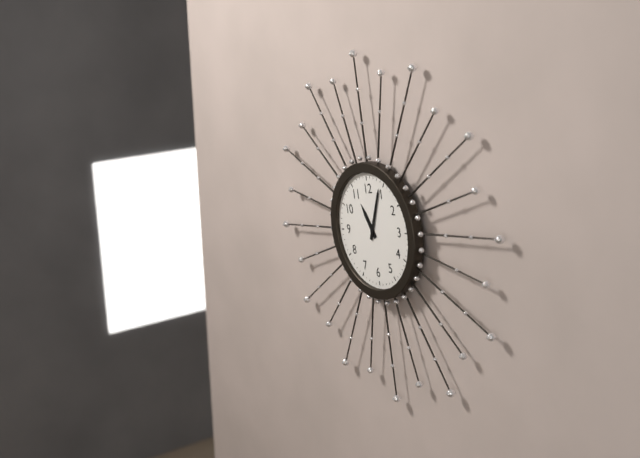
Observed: 11h04
